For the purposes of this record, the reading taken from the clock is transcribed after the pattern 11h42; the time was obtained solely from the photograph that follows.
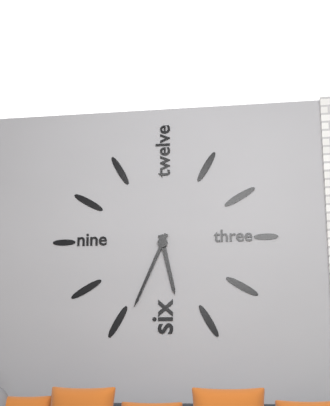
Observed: 5h34
